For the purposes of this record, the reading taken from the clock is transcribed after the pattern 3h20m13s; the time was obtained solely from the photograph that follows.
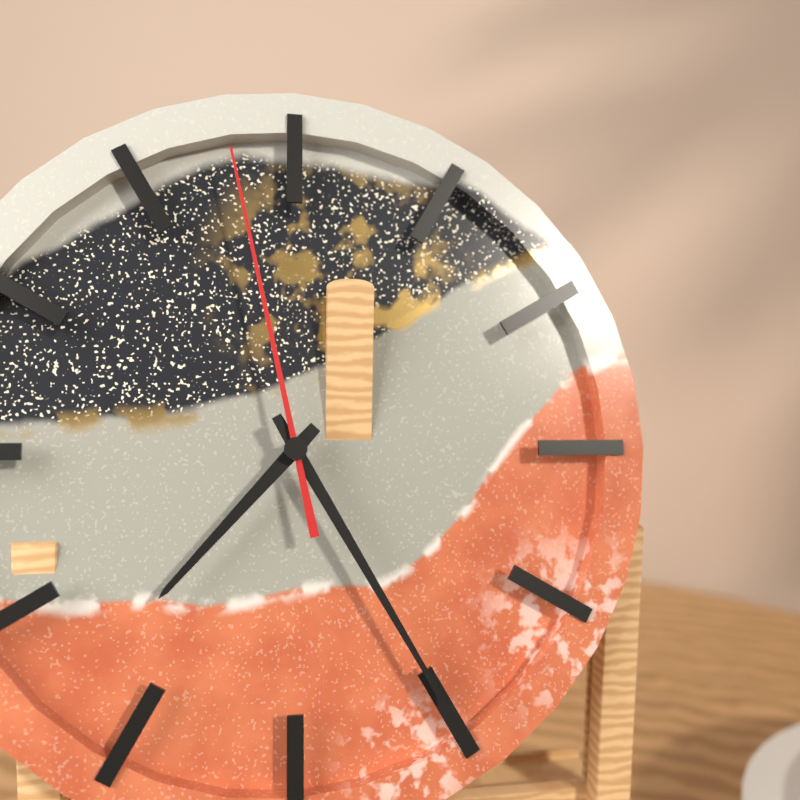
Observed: 7h25m58s
